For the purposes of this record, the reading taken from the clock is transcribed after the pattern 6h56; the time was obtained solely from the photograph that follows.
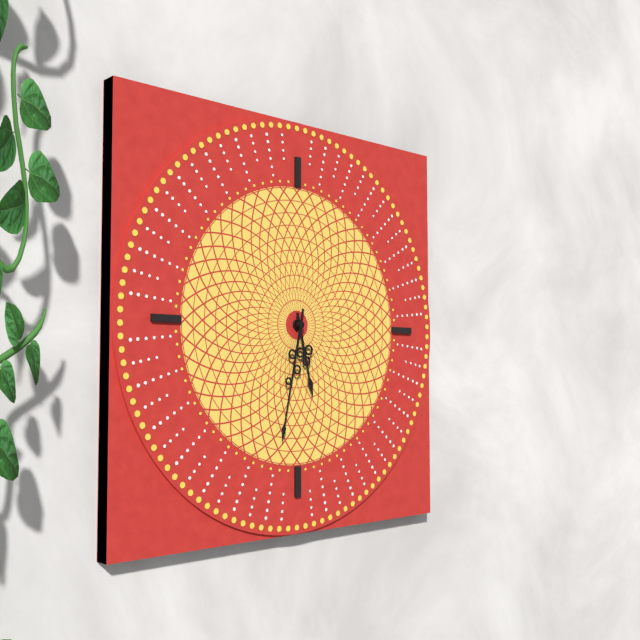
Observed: 5h32
